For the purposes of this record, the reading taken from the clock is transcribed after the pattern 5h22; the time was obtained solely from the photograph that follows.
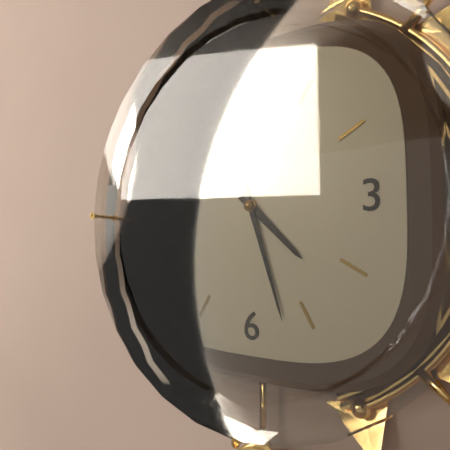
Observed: 4h27
